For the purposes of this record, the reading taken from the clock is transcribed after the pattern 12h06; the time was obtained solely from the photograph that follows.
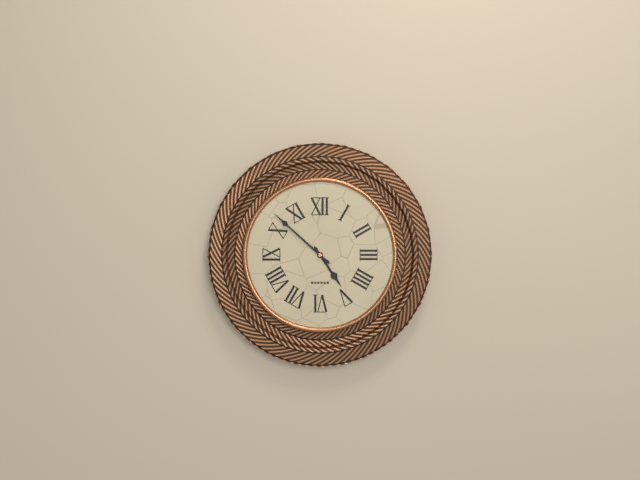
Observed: 4h52
